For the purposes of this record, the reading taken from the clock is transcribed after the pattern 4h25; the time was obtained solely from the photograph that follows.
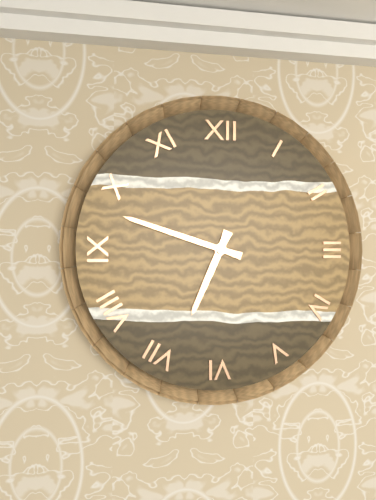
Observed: 6h48
